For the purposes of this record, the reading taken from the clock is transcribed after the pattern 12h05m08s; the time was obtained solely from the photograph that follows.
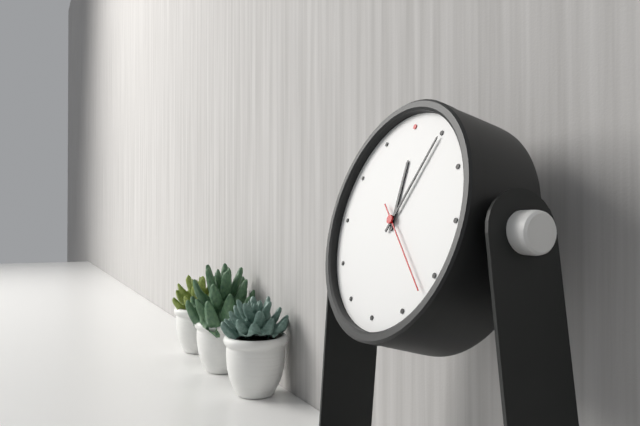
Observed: 12h05m22s
